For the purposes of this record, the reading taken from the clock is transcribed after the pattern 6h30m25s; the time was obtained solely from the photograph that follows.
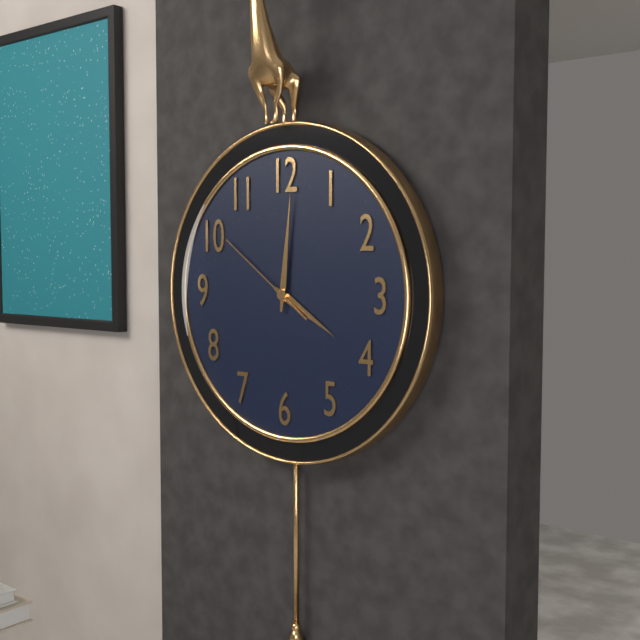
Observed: 4h01m51s
